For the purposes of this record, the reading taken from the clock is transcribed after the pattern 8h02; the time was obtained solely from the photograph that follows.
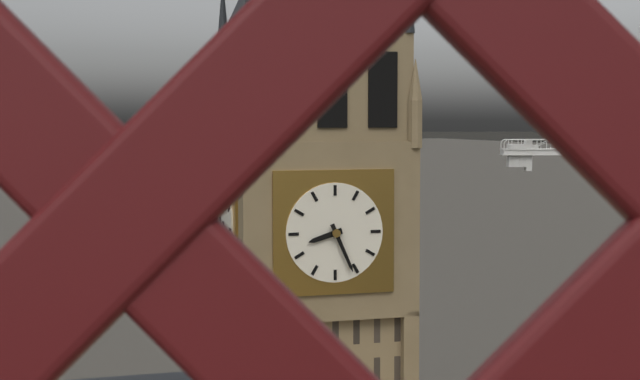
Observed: 8h26
